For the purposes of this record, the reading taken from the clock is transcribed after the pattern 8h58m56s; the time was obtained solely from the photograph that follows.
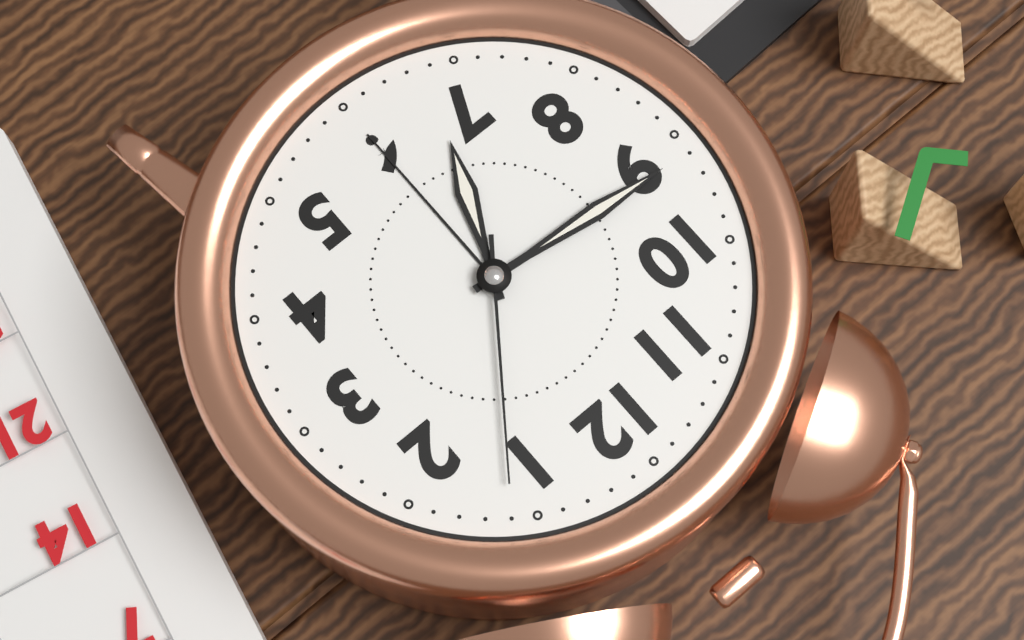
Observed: 6h46m06s
